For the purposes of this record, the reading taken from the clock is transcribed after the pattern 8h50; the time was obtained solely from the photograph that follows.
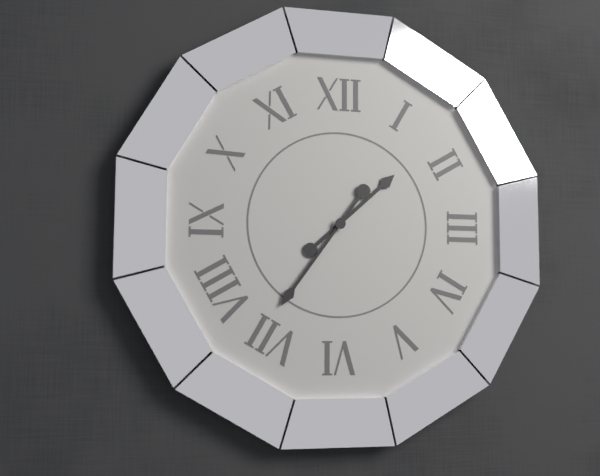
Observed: 1h36
